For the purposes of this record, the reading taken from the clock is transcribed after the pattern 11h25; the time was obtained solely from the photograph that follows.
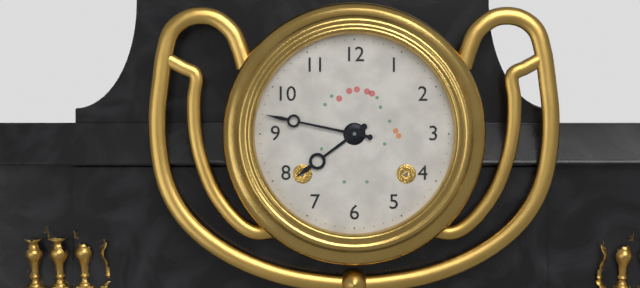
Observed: 7h47
